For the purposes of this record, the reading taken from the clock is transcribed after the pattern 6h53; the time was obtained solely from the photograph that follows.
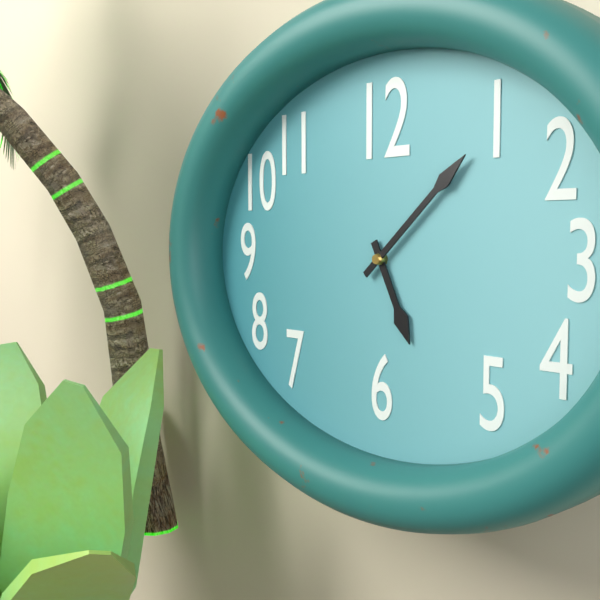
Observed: 5h08
